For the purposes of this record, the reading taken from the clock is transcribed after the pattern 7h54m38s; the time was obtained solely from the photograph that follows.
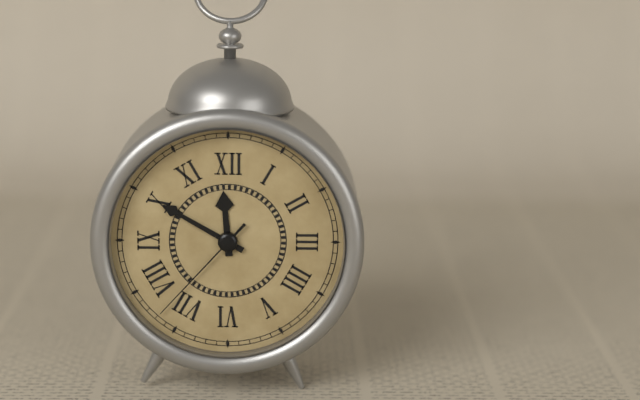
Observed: 11h50m37s
